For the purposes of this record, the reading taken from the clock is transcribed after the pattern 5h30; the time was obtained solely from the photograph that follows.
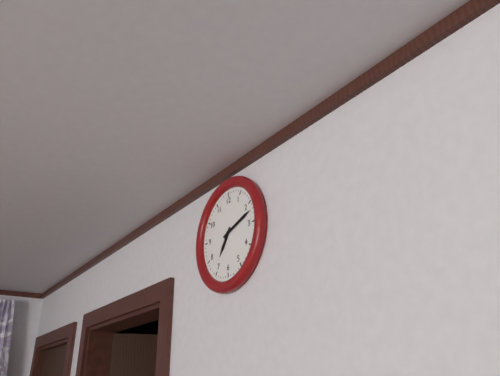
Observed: 7h12
